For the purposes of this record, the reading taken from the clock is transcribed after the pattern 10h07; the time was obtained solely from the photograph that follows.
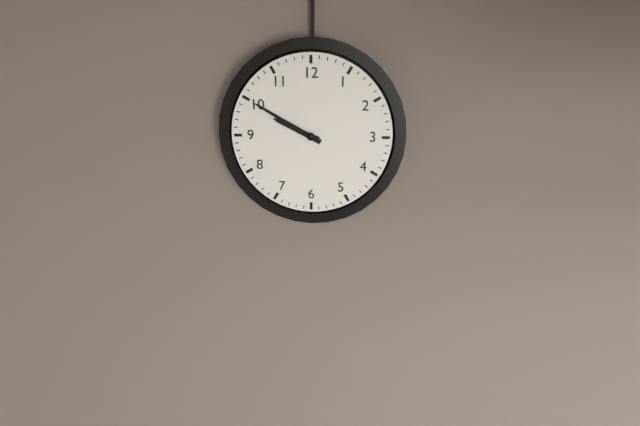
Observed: 9h50
